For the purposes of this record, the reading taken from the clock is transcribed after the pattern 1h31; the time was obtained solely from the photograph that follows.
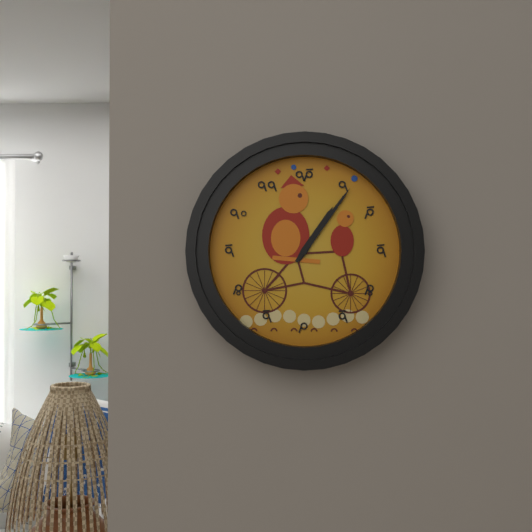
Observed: 1h06
